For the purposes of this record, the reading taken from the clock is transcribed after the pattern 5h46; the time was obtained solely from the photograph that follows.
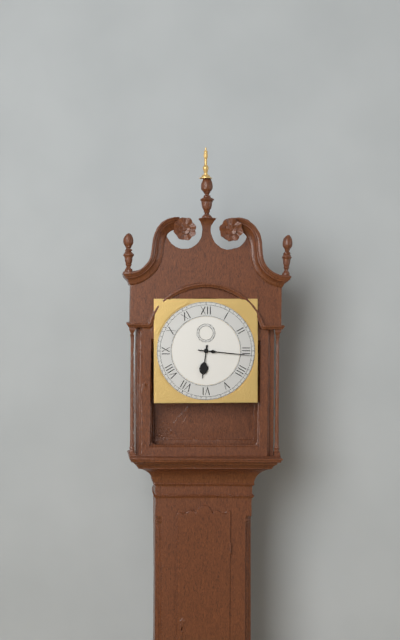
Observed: 6h16
